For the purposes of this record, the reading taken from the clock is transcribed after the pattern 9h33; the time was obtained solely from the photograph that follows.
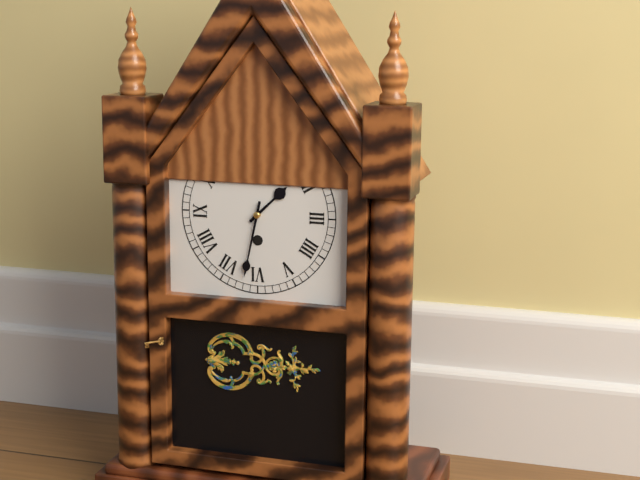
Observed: 1h32
